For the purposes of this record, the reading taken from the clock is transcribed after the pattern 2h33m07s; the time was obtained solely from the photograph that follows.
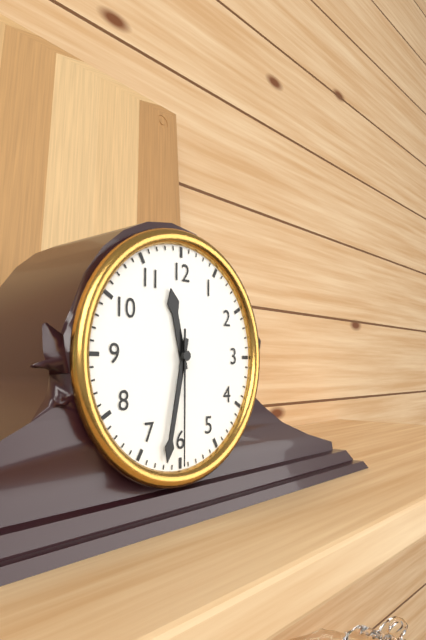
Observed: 11h32m30s
